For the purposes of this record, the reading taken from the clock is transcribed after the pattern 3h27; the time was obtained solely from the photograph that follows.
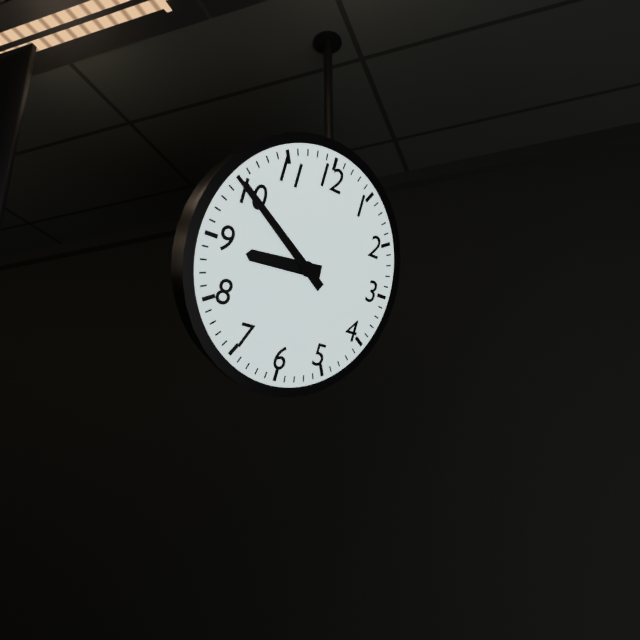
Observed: 8h50
